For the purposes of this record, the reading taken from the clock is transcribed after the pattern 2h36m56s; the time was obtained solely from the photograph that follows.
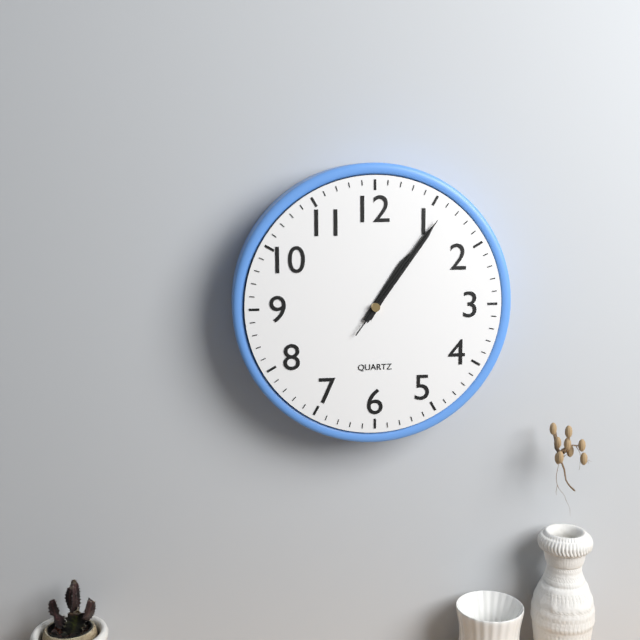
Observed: 1h06m06s
